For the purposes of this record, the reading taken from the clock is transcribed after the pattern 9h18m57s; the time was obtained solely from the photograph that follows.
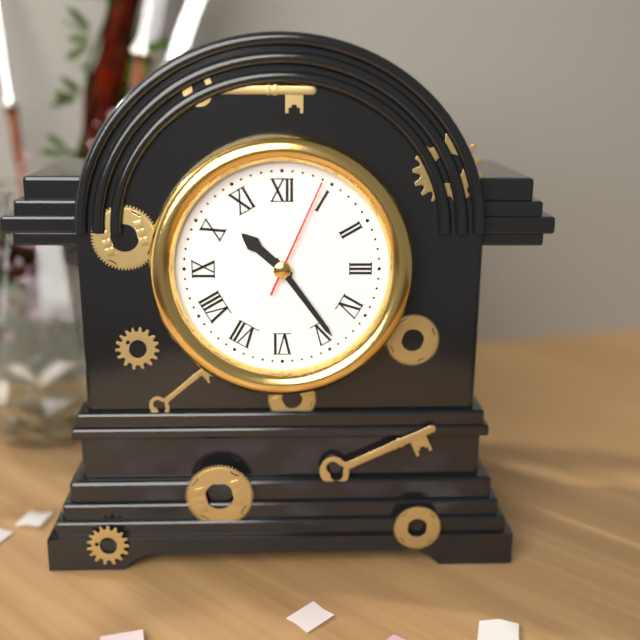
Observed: 10h24m04s
